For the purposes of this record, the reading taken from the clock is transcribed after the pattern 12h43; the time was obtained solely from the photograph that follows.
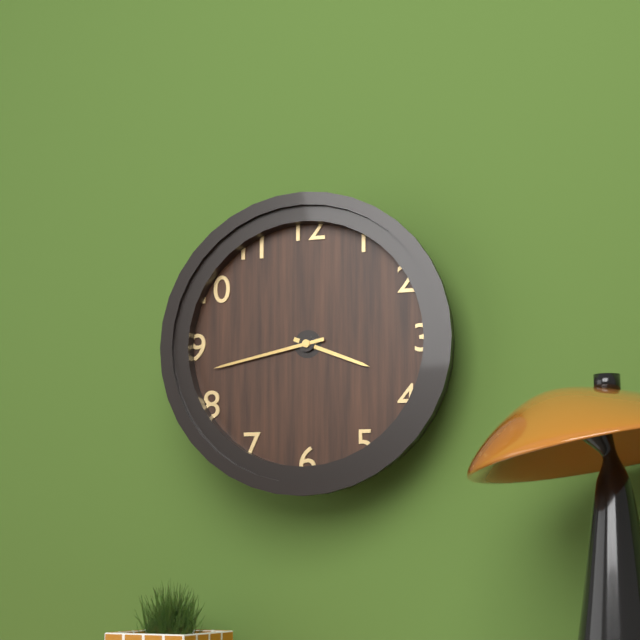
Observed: 3h43
